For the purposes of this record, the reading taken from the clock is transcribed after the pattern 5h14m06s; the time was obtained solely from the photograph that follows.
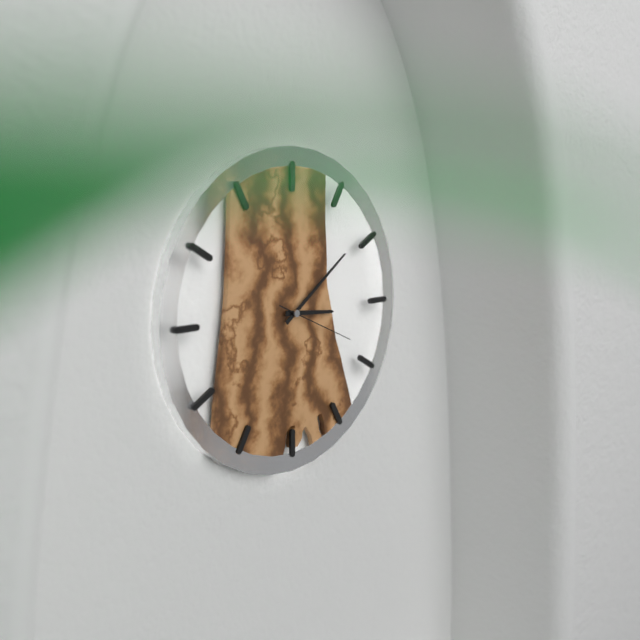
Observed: 3h09m19s
